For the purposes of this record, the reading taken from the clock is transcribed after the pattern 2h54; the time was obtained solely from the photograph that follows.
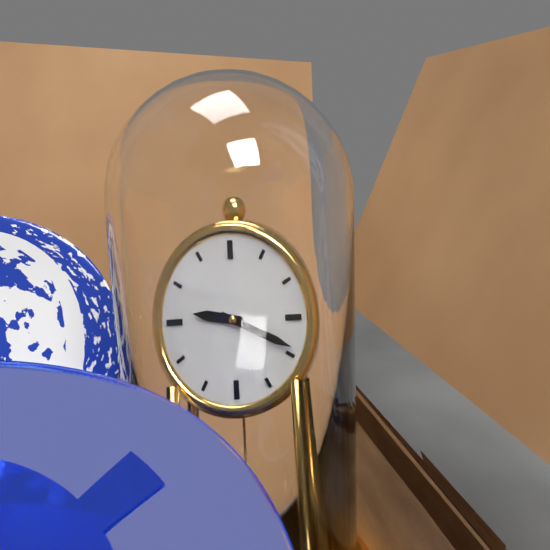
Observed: 9h19
